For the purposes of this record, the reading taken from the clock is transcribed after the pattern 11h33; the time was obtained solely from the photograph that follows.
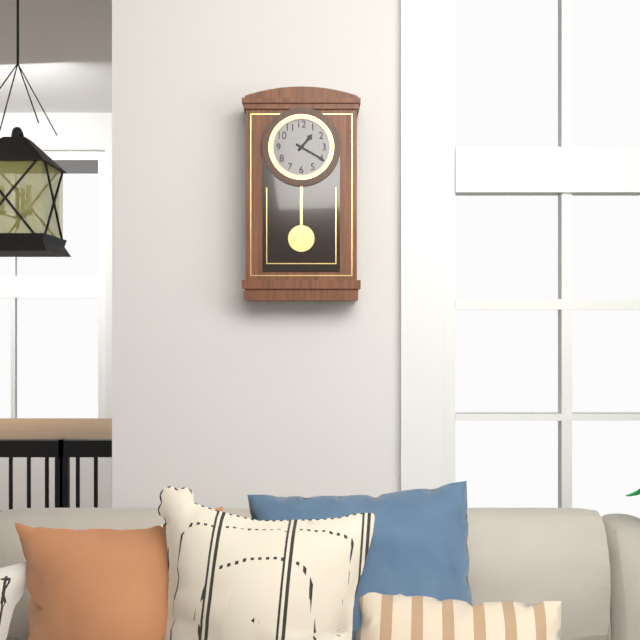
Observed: 1h20
